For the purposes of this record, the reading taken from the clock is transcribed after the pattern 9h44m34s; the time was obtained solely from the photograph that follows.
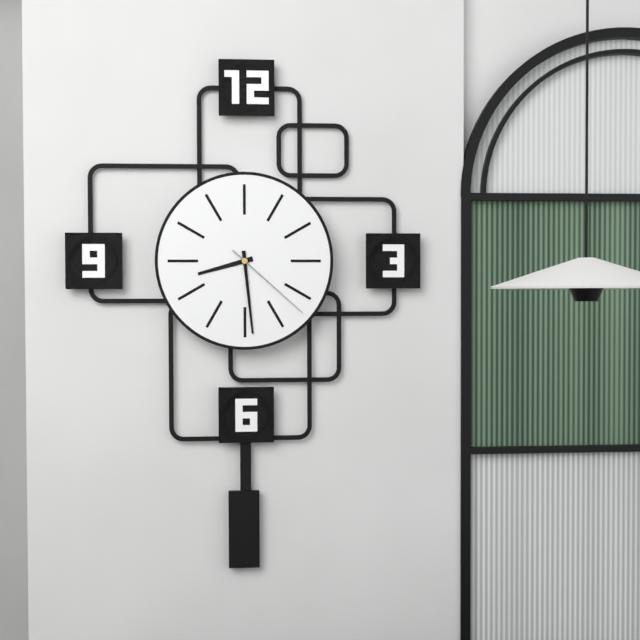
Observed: 8h29m22s
